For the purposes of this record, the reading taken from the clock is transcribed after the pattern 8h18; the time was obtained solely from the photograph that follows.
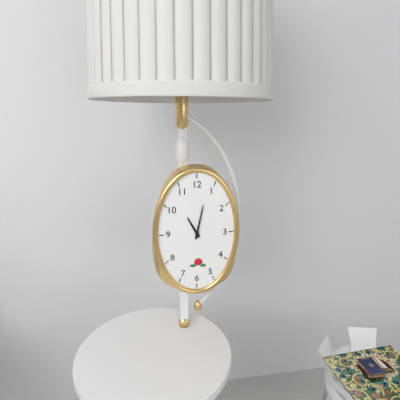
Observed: 11h02
